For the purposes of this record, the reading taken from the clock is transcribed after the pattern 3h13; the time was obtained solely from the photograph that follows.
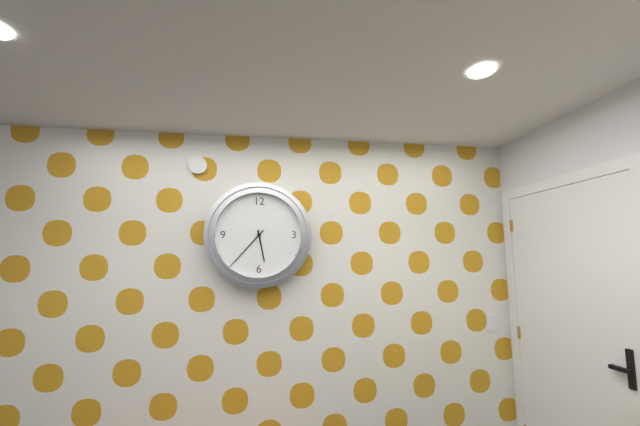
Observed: 5h37
